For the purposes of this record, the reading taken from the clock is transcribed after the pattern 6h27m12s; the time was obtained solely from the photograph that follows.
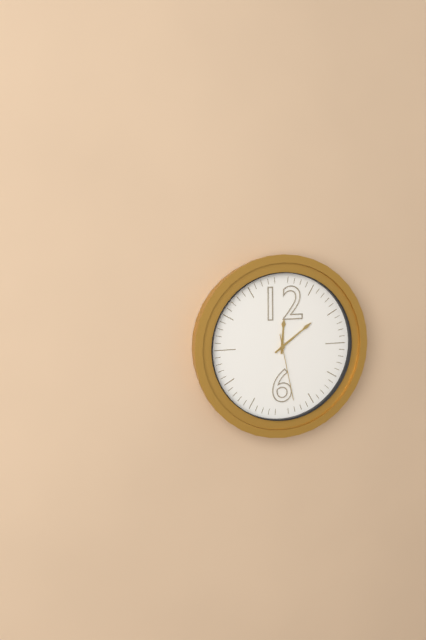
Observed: 12h09m28s
